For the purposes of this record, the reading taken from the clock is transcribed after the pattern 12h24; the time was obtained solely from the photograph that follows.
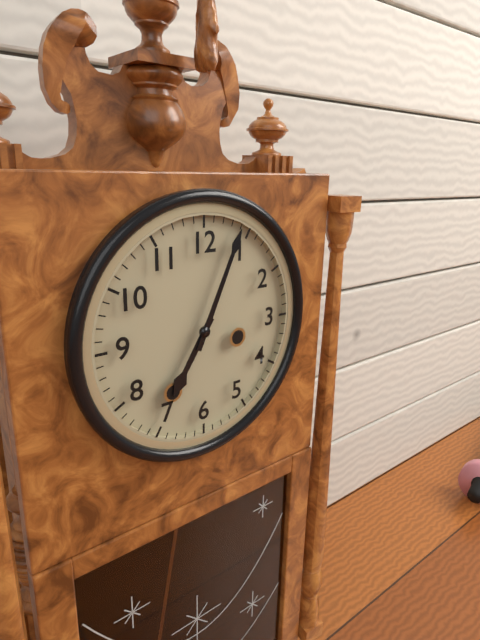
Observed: 7h04
